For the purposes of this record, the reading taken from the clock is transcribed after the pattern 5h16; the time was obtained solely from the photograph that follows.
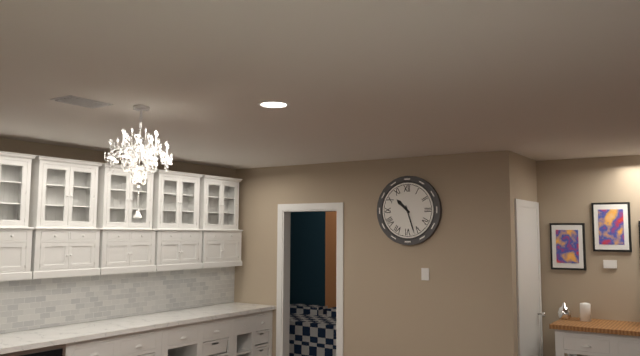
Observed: 10h27
